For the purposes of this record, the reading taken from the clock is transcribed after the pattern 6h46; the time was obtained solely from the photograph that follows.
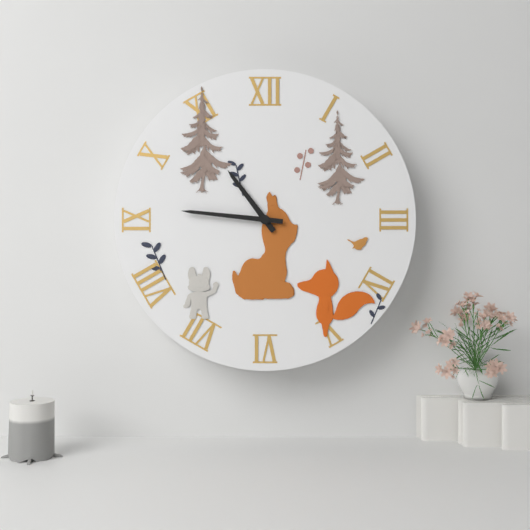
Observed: 10h46
